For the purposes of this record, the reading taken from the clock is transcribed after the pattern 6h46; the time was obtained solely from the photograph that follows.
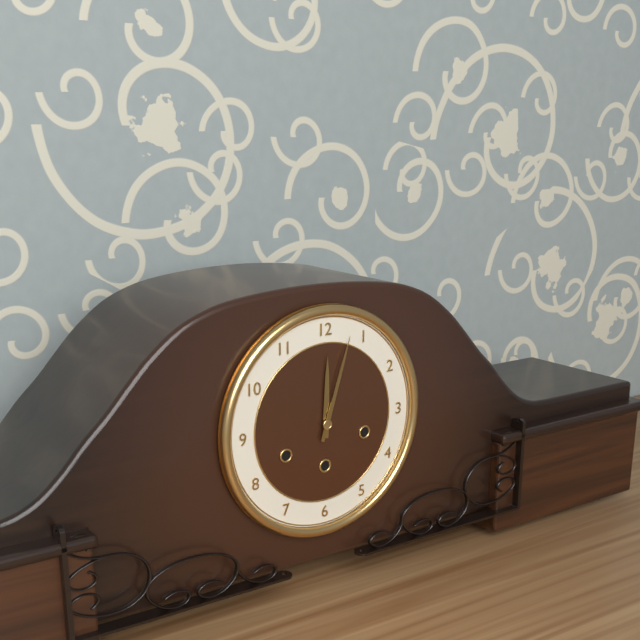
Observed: 12h03
